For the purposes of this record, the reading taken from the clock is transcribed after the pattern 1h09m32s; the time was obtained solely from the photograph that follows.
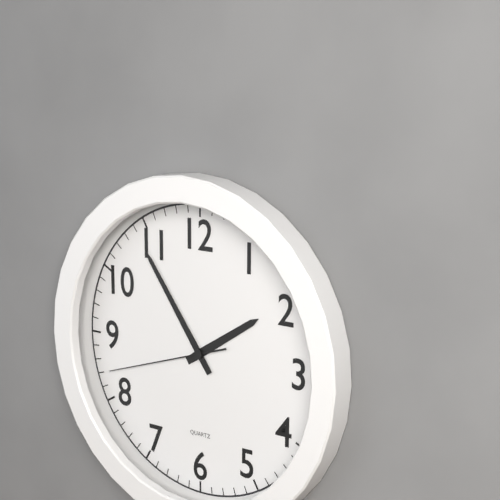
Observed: 1h54m42s
